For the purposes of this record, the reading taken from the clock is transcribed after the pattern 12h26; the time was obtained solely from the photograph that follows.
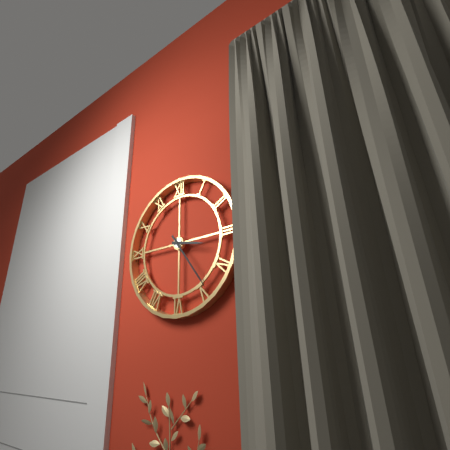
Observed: 3h24
